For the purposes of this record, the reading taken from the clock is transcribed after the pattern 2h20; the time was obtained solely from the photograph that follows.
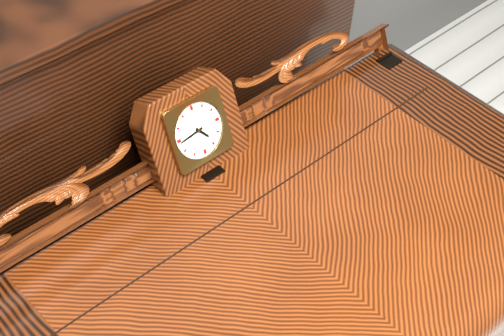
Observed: 4h44
